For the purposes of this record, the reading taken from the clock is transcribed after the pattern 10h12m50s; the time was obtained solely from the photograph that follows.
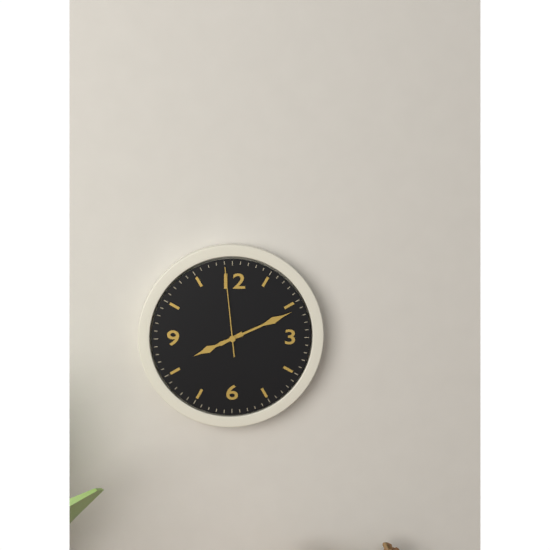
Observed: 8h11m59s
